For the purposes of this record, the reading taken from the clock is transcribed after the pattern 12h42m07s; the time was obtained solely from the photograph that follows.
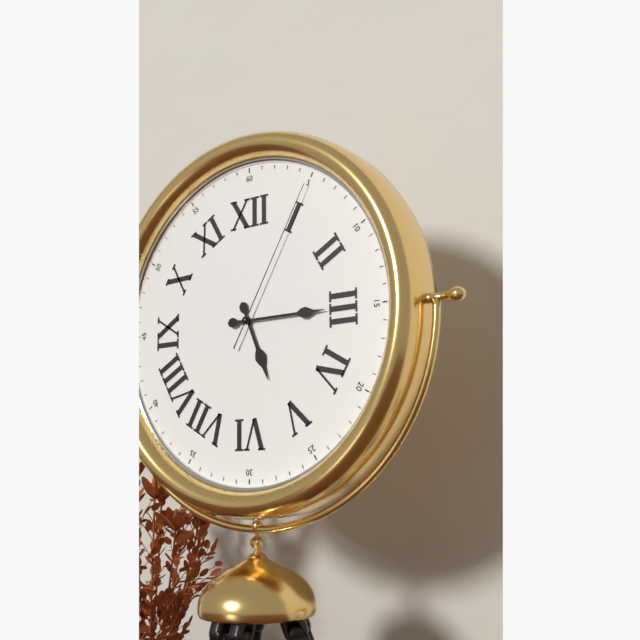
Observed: 5h15m05s
